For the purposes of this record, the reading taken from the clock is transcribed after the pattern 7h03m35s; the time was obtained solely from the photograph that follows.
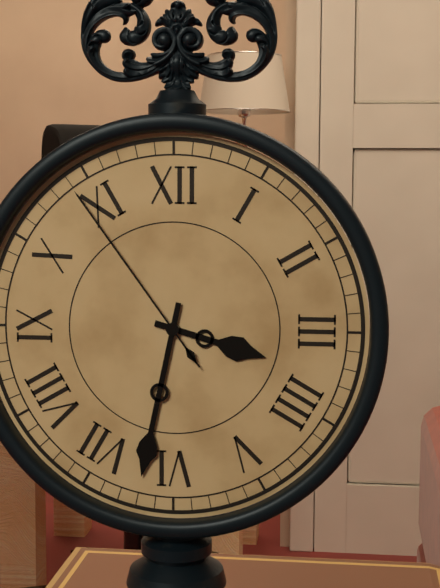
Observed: 3h32m54s
